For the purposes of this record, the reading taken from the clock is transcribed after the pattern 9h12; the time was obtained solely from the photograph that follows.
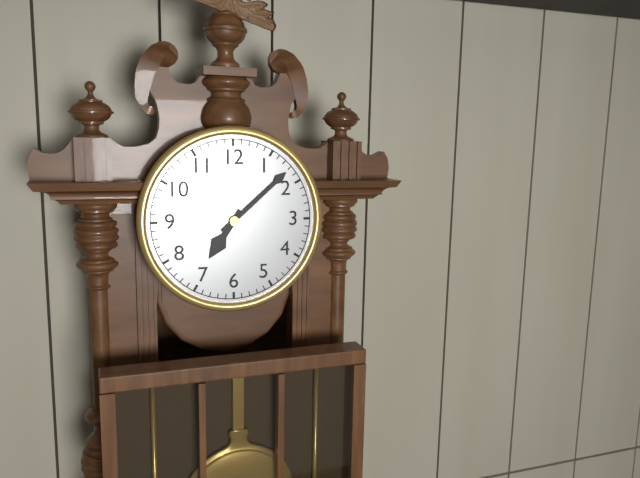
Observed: 7h08
